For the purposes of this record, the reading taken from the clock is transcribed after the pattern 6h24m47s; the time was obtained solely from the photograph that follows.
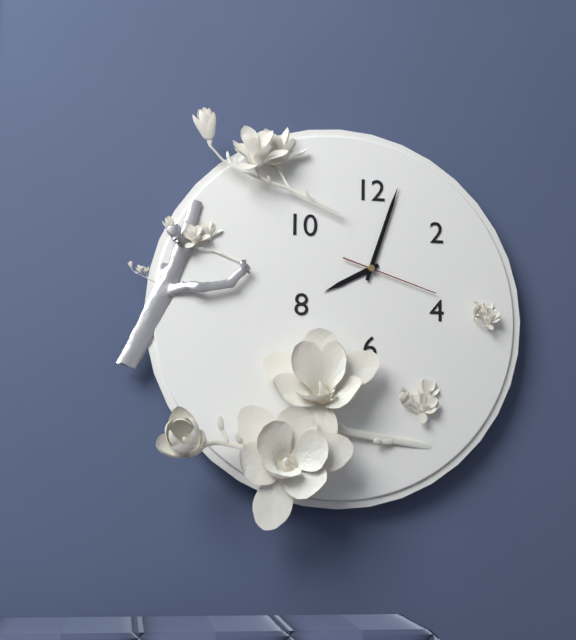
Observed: 8h03m18s
